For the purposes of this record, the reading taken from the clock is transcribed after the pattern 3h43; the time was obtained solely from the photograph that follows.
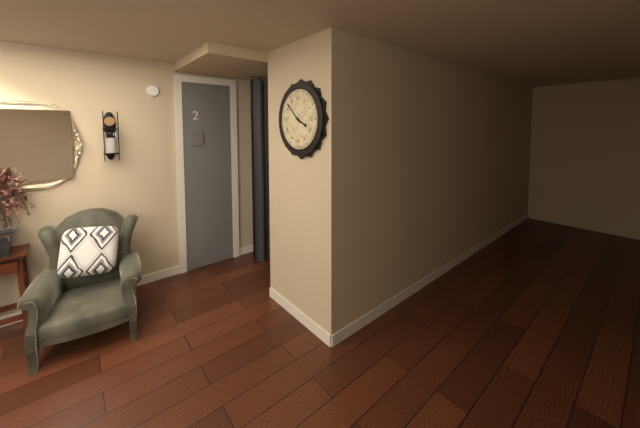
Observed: 3h52
